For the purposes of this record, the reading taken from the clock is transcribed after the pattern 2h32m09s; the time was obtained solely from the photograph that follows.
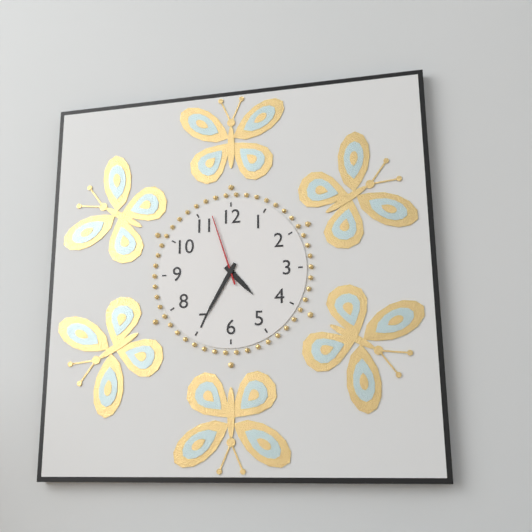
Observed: 4h35m57s
